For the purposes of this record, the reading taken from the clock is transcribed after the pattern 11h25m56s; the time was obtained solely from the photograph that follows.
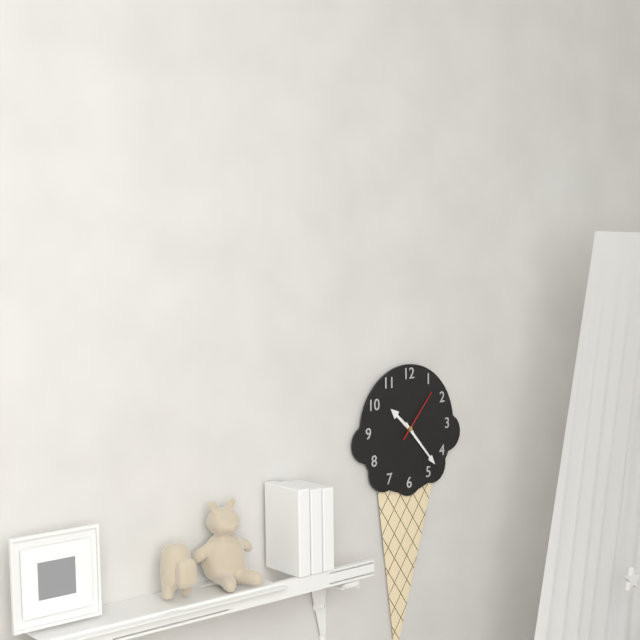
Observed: 10h23m07s
